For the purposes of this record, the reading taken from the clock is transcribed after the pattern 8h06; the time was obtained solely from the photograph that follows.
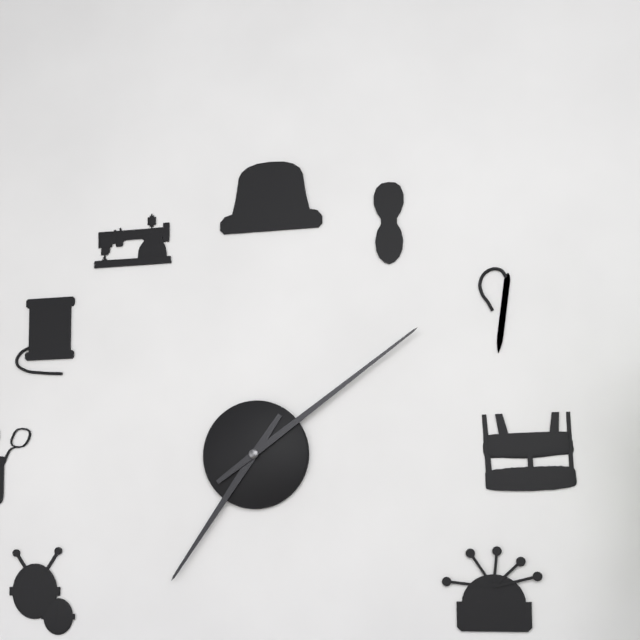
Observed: 7h09
